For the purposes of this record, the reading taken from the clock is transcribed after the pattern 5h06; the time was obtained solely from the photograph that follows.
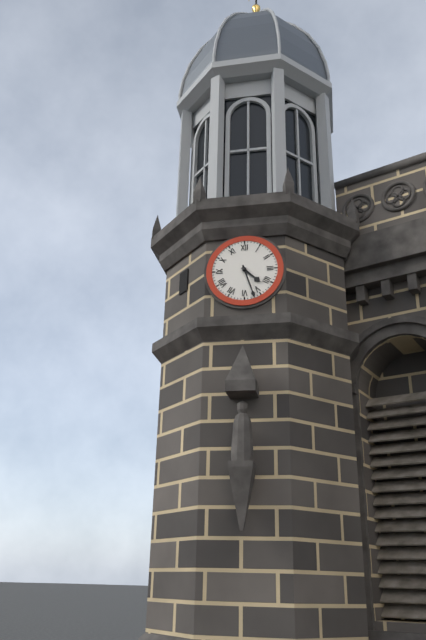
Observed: 4h27
